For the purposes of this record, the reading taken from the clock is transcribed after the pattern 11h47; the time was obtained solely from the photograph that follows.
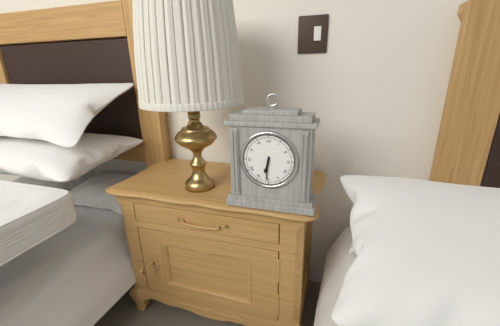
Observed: 6h31
